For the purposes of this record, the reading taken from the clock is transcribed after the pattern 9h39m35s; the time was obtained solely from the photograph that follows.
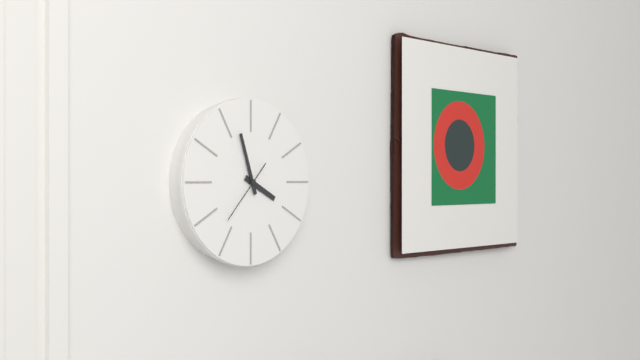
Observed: 3h57m37s
